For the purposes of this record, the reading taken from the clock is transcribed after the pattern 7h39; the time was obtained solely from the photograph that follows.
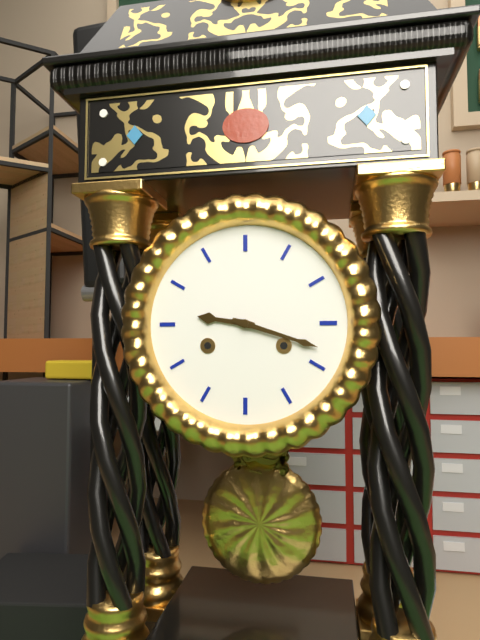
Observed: 9h18
